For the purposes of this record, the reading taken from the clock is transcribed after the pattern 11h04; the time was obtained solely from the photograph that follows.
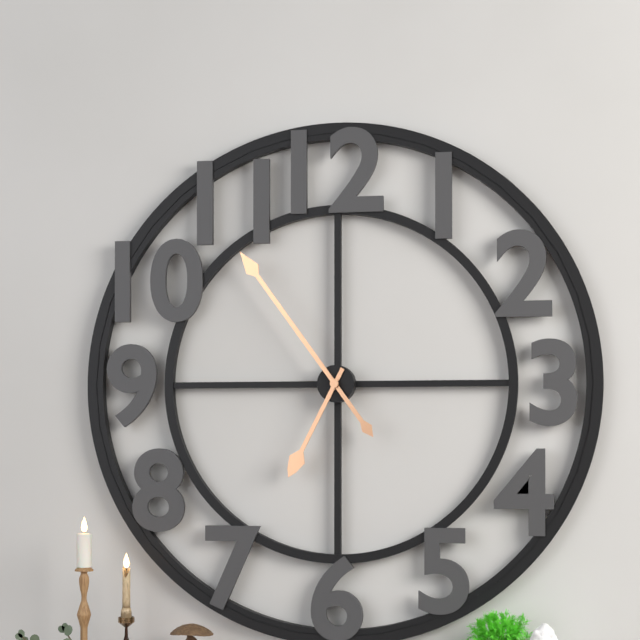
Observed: 6h54
